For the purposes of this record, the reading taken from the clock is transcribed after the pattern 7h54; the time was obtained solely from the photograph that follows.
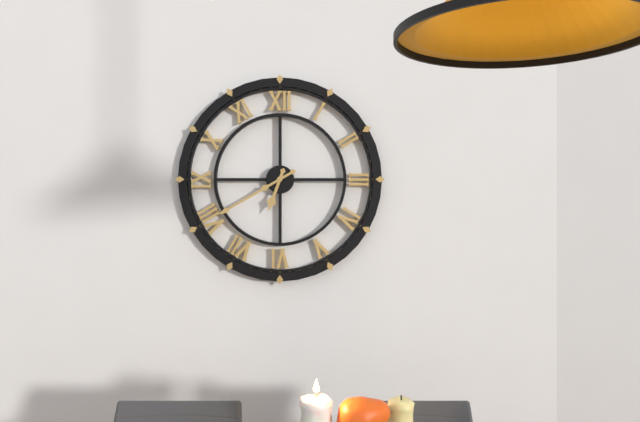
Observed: 6h40
